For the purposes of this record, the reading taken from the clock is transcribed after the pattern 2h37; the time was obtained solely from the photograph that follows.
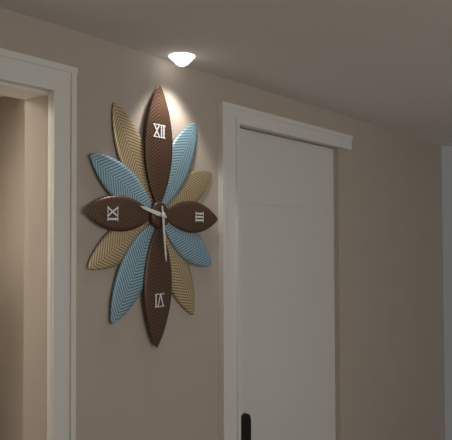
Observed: 9h29
